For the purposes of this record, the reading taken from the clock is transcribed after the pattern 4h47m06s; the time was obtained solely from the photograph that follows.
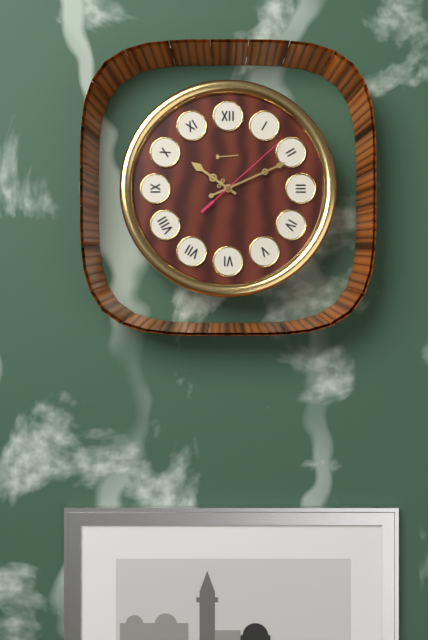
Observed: 10h11m08s
